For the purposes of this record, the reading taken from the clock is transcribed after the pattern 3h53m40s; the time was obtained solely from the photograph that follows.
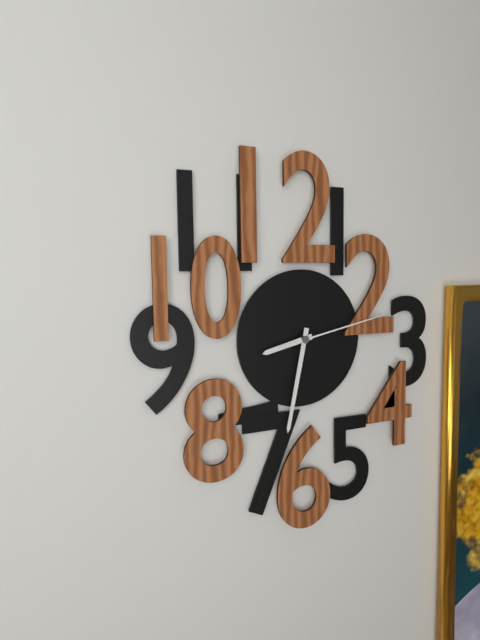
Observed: 8h32m13s
